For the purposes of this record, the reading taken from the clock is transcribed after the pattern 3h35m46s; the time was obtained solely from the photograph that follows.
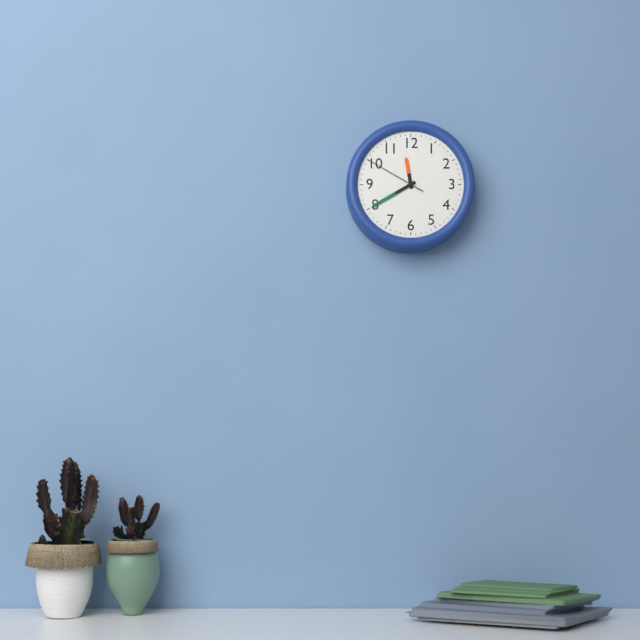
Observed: 11h40m50s
